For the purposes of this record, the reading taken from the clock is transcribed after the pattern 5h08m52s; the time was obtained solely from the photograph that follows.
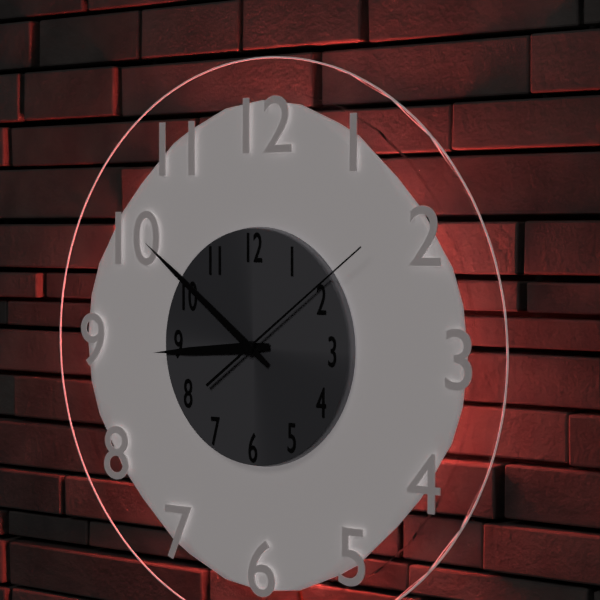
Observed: 8h51m09s
